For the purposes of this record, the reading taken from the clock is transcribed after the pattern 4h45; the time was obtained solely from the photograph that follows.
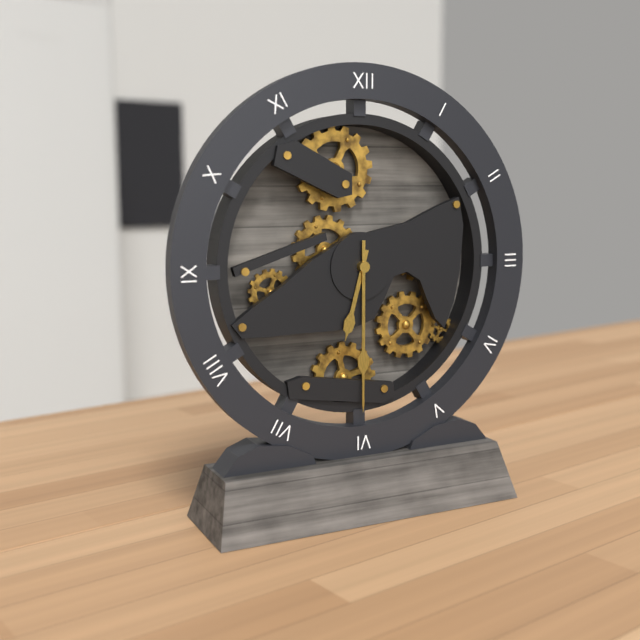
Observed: 6h30
